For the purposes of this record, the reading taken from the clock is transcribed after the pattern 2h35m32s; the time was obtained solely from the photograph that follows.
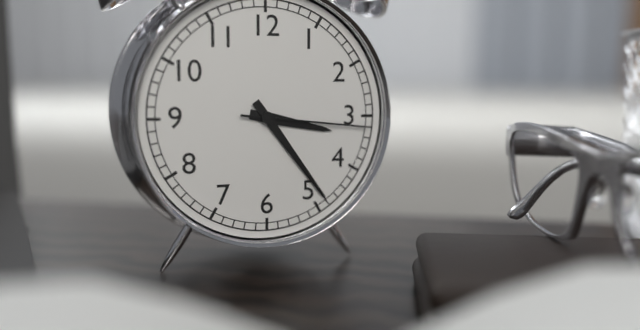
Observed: 3h24m16s
